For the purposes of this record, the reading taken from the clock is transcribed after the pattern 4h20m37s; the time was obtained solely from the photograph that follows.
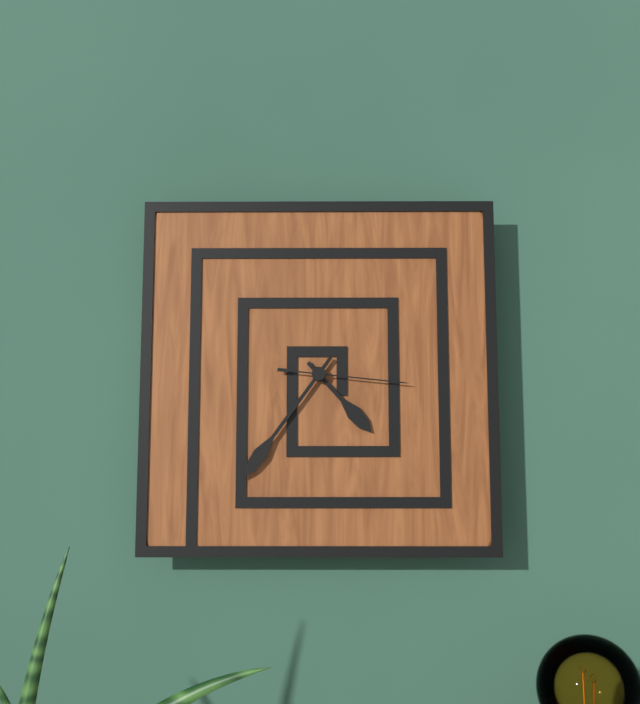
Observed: 4h36m16s
